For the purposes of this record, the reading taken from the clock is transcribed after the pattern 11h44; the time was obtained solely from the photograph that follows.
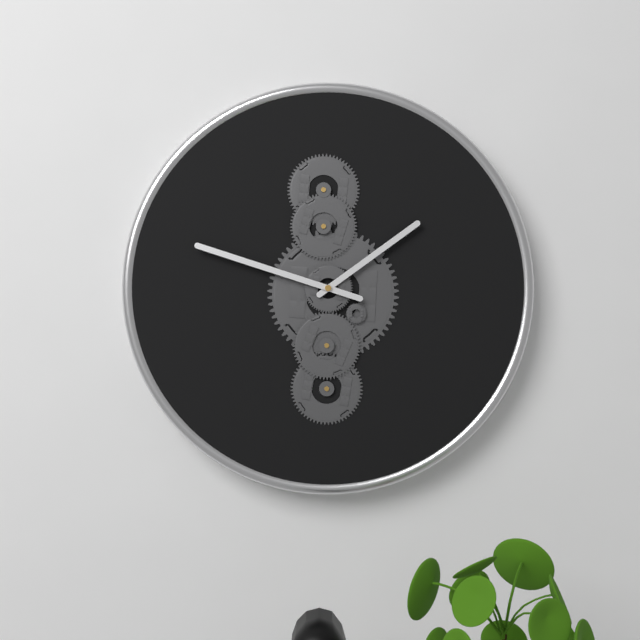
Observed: 1h48
